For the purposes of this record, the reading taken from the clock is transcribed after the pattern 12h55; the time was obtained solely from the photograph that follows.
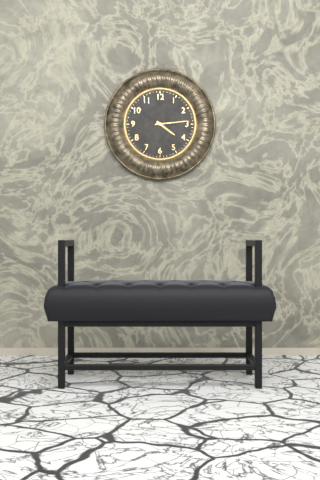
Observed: 4h14
